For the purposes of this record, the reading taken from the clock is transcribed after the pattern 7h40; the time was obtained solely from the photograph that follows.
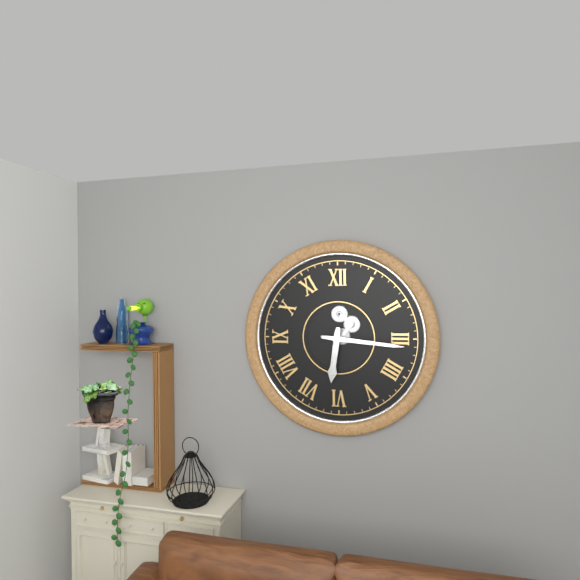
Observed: 6h16
